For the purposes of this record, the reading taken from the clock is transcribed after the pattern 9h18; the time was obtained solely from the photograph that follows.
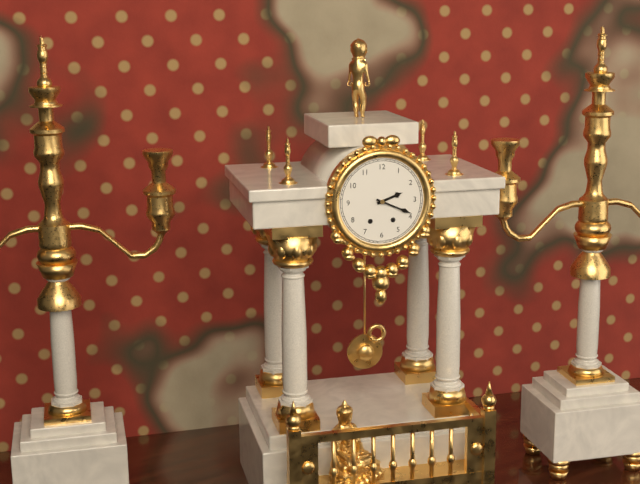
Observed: 2h19
